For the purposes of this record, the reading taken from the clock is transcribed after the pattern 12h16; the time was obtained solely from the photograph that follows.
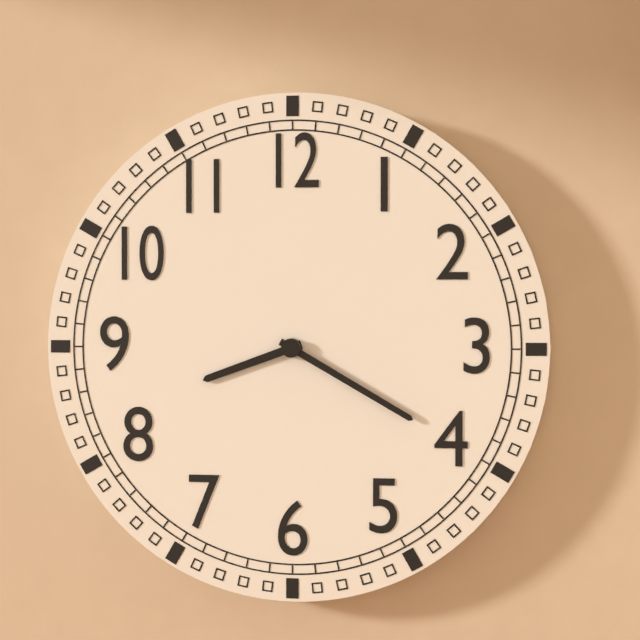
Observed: 8h20
